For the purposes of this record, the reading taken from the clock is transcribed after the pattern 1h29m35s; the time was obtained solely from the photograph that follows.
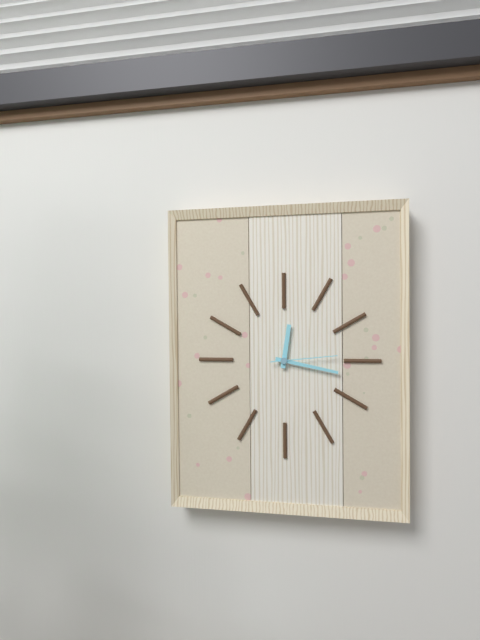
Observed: 12h17m14s
